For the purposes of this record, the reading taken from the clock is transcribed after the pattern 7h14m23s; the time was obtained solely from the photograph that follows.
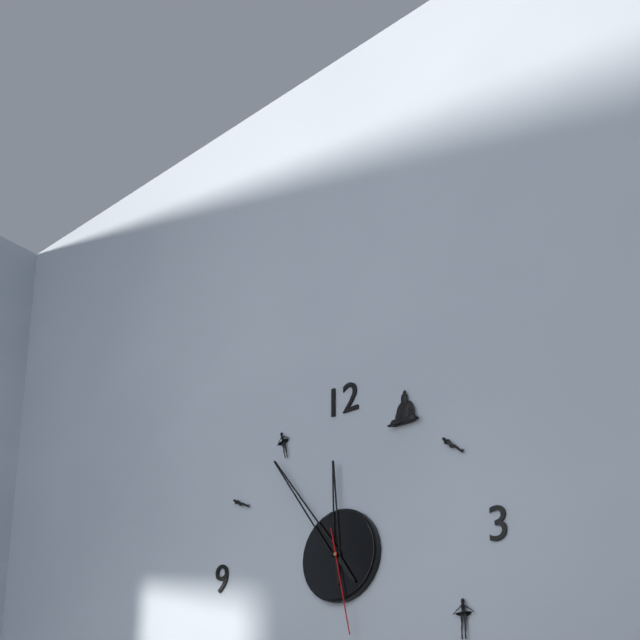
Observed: 11h54m28s
